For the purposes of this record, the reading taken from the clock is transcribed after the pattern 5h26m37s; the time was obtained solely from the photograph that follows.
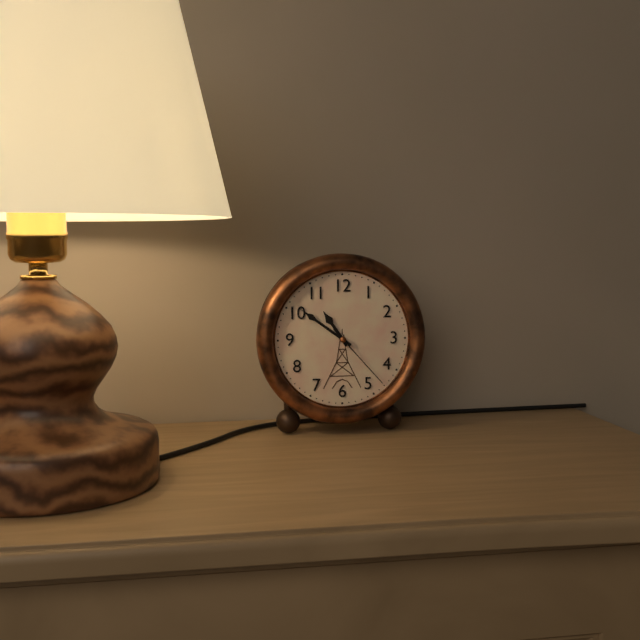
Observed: 10h51m23s
